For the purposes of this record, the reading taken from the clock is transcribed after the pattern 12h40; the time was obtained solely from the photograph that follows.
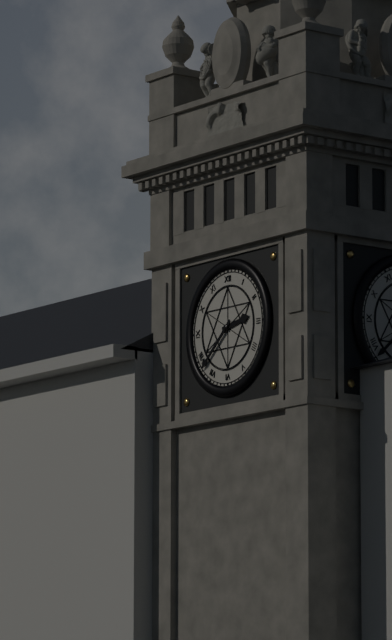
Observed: 2h38
